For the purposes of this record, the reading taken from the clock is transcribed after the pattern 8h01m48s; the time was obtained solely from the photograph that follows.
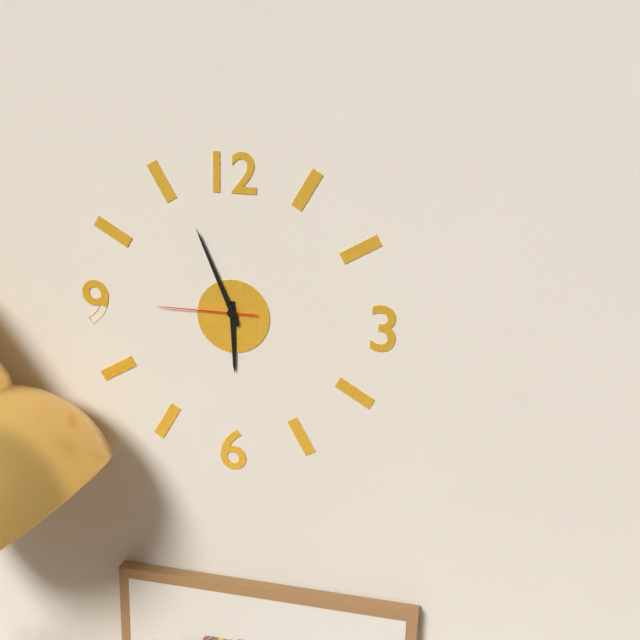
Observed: 5h56m45s
